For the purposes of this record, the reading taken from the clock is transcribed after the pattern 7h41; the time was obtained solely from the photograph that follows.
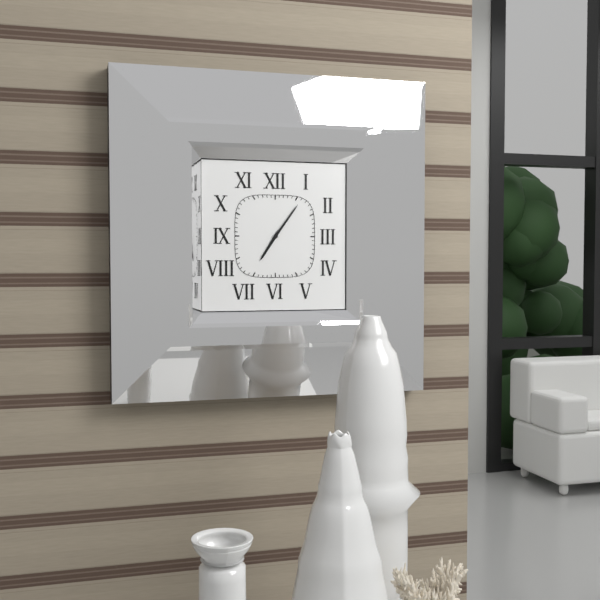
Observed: 7h06
